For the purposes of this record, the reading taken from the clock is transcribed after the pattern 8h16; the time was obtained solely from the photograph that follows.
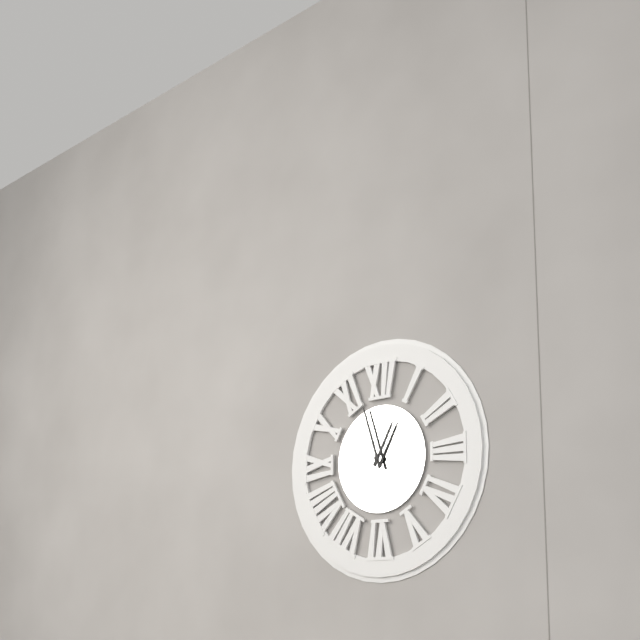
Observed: 12h57
